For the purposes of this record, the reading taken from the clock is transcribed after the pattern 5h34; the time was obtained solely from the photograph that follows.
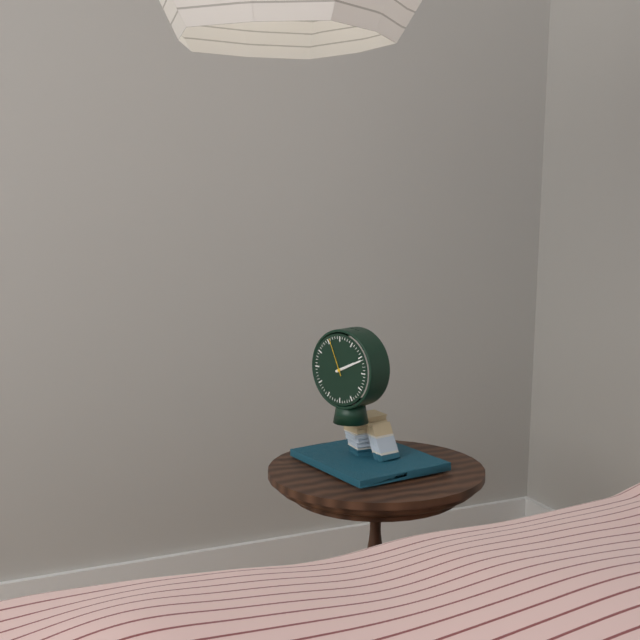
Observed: 2h11
